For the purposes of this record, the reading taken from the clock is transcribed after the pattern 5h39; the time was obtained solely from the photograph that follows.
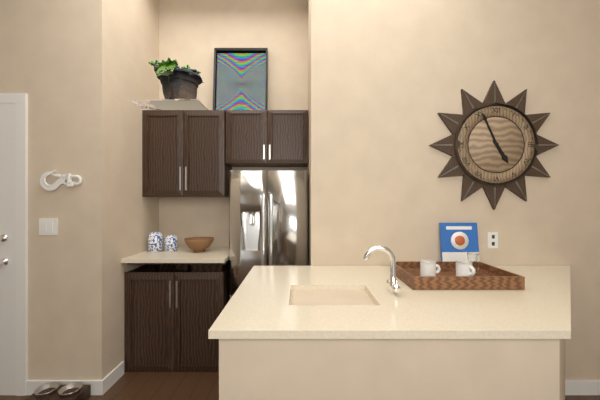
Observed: 4h56
